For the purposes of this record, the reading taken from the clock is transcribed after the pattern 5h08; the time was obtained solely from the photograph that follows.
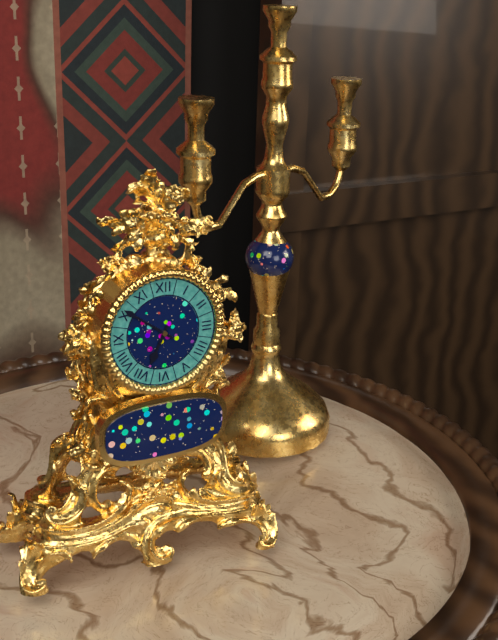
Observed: 6h51
